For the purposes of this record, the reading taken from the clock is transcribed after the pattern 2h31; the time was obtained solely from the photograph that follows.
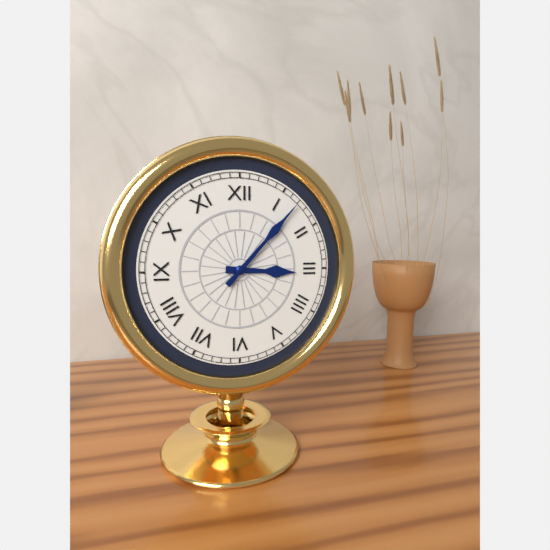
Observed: 3h07
